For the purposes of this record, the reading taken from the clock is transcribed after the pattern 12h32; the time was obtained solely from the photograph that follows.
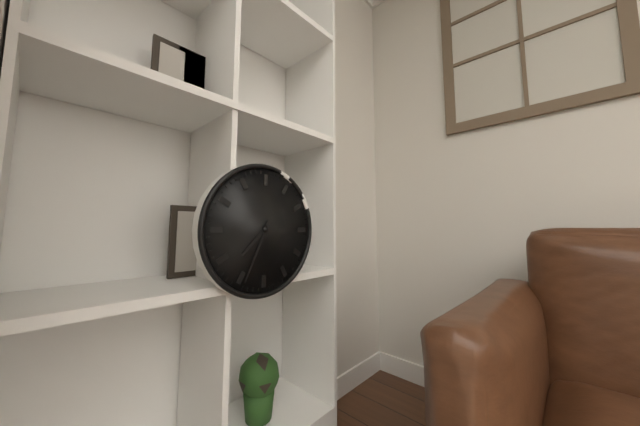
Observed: 7h34
